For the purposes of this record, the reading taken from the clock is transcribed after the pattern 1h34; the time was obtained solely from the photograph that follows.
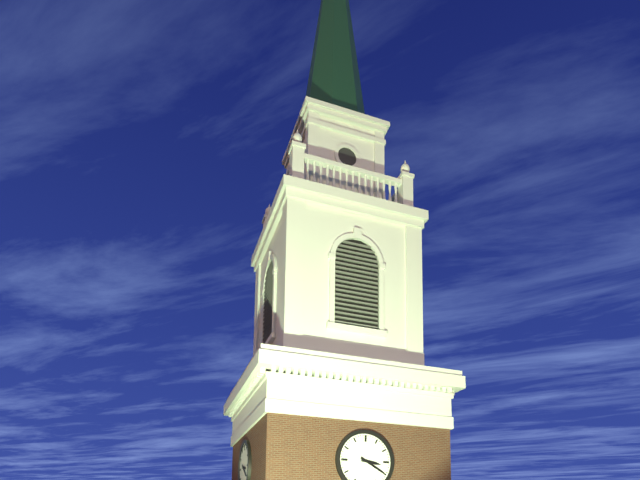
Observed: 3h20
